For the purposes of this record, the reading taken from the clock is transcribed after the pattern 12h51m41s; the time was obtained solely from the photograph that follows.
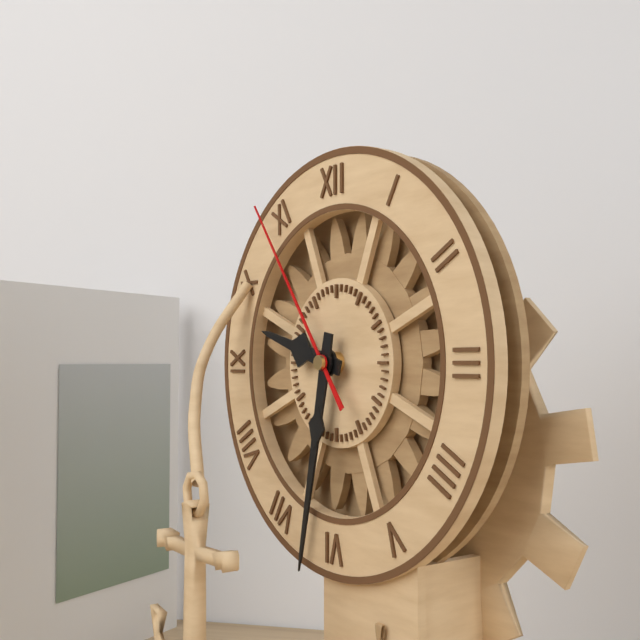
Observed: 9h32m54s
